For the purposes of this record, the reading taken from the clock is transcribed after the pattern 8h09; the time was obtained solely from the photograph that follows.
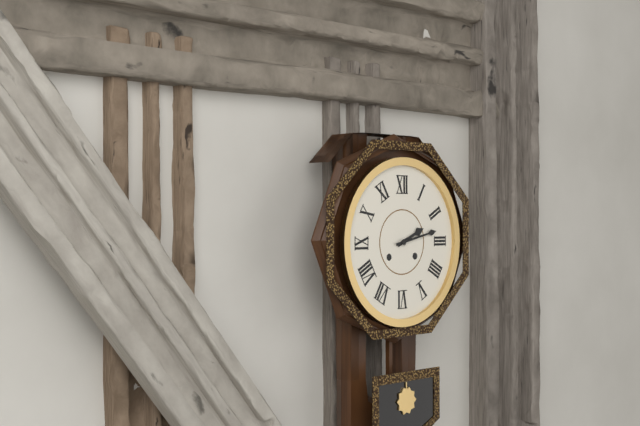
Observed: 2h13
